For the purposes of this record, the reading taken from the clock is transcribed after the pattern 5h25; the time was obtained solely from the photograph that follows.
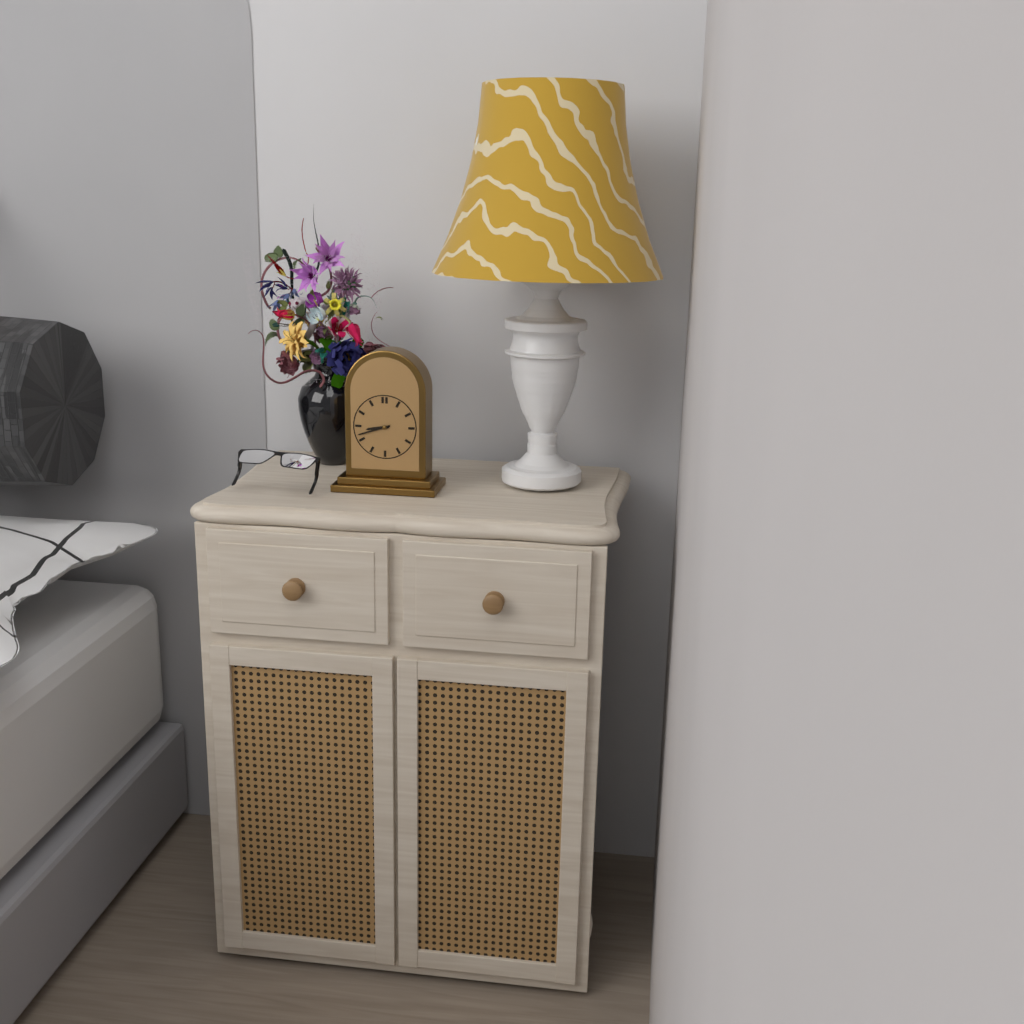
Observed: 8h42
